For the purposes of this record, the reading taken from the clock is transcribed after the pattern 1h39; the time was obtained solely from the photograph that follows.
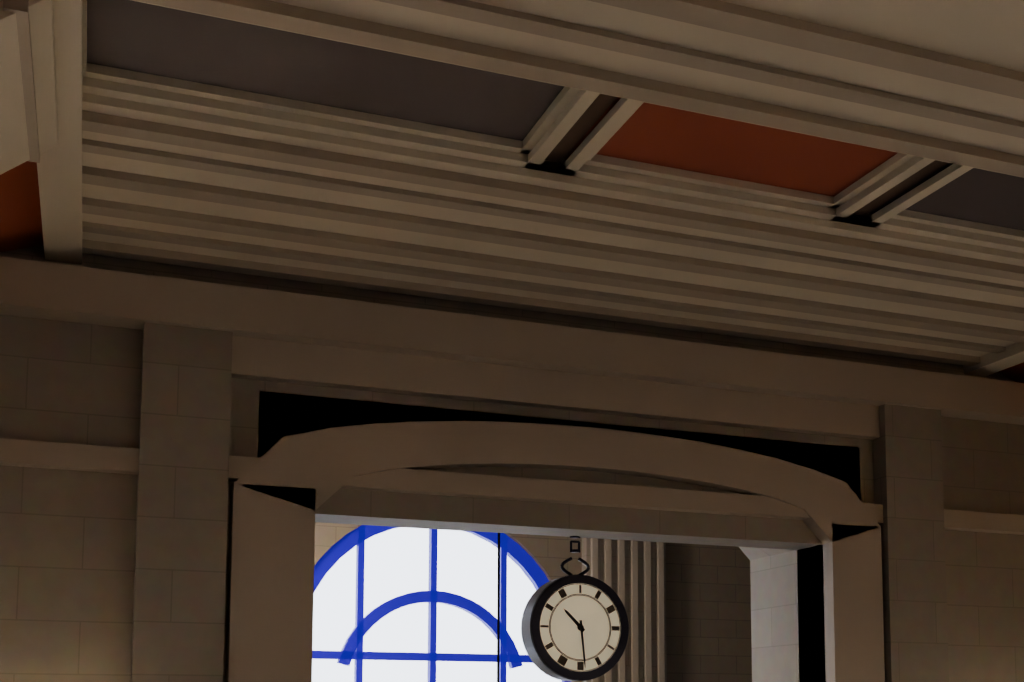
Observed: 10h29
